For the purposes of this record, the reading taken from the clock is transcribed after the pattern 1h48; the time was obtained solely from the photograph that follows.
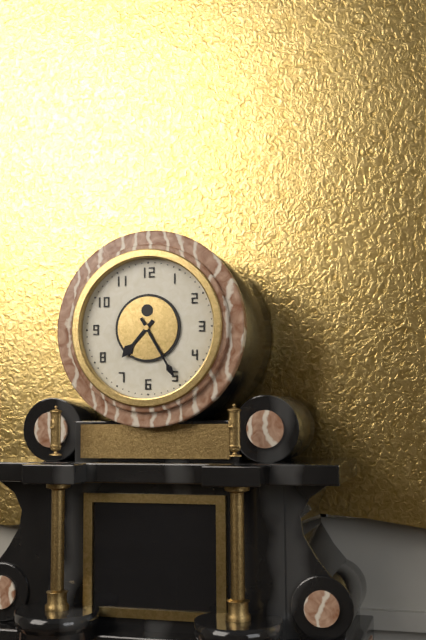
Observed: 7h25
